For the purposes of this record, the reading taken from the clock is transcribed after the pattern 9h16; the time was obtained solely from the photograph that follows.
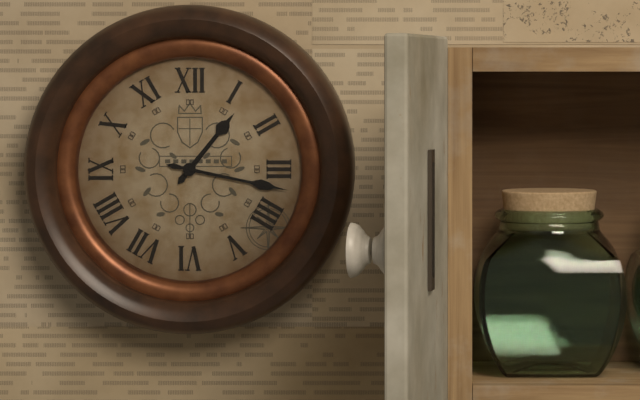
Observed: 1h17
